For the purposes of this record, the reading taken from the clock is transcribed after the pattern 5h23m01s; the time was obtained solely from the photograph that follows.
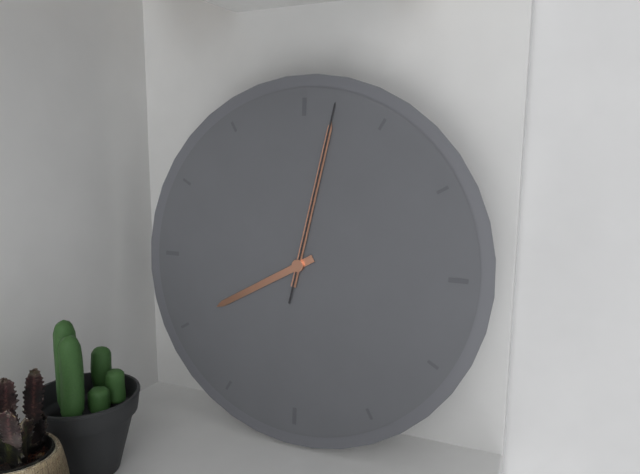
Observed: 8h02m02s
